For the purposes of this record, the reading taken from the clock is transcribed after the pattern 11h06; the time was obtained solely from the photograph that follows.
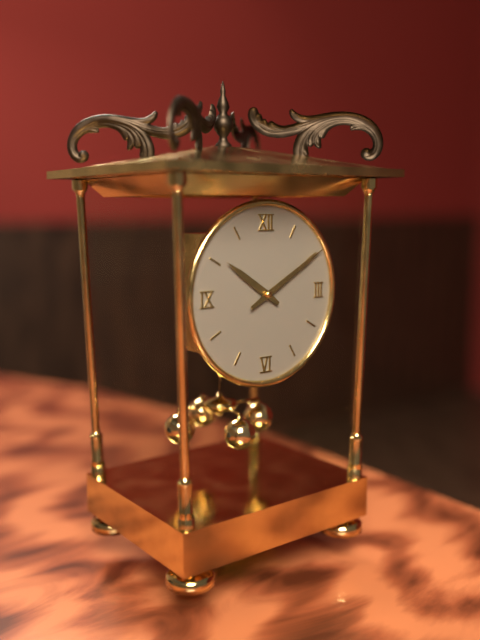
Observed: 10h10
